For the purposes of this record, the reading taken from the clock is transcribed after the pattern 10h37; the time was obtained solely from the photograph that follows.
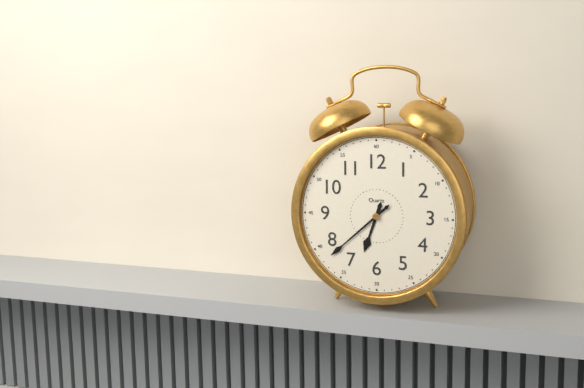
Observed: 6h38
